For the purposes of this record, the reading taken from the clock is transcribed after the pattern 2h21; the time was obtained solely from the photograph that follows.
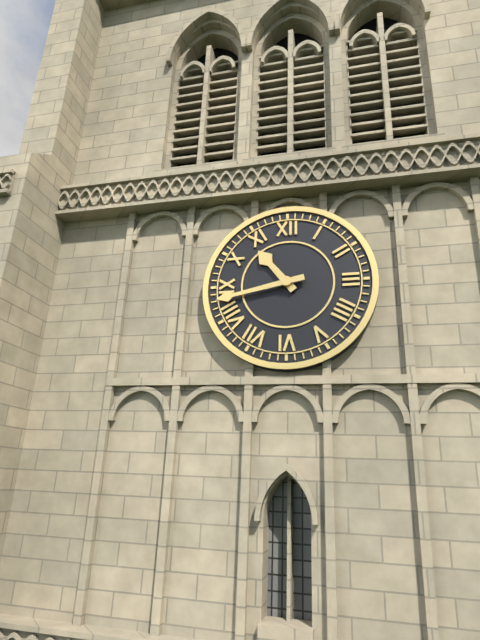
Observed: 10h43
